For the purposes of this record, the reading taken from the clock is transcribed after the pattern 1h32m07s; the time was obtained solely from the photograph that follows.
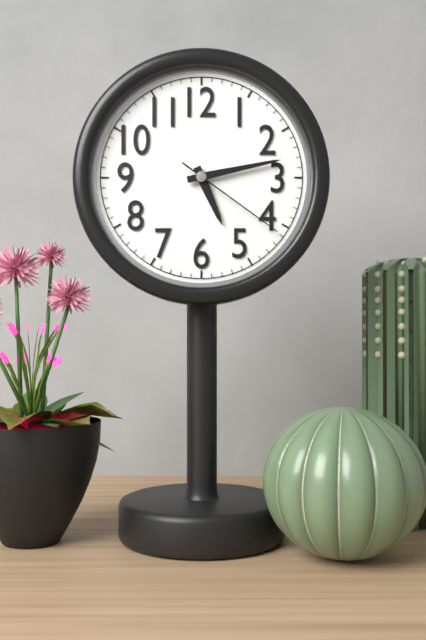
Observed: 5h13m21s
